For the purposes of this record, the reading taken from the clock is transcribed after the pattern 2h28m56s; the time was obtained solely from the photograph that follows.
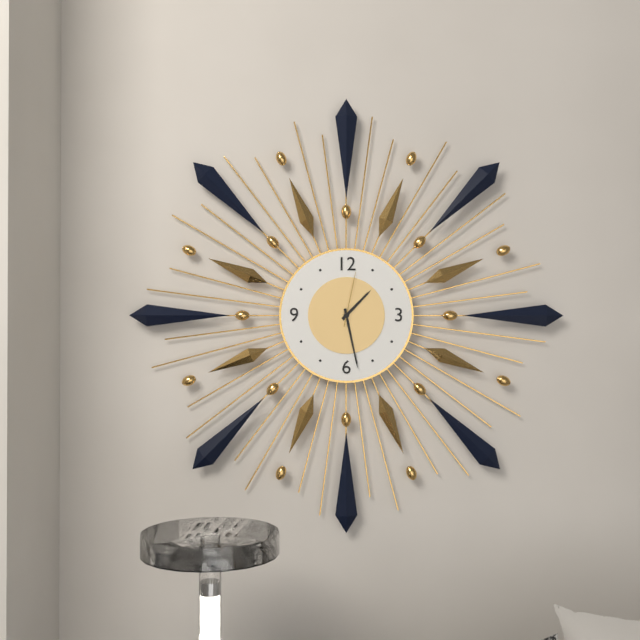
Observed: 1h28m02s
